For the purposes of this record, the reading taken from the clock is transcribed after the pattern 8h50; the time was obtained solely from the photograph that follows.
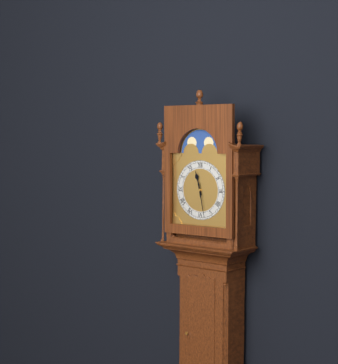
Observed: 11h28
